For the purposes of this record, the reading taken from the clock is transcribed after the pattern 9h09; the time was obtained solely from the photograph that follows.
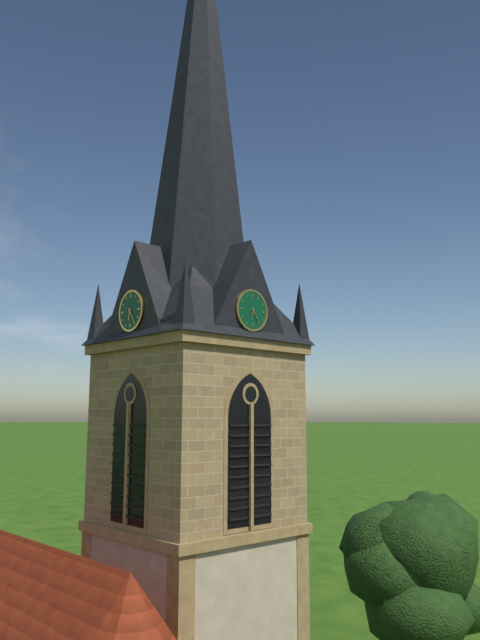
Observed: 6h24
